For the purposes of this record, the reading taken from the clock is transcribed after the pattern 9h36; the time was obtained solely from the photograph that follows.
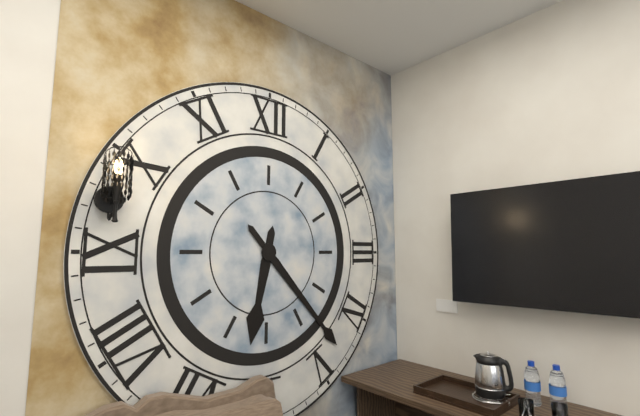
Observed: 6h23
